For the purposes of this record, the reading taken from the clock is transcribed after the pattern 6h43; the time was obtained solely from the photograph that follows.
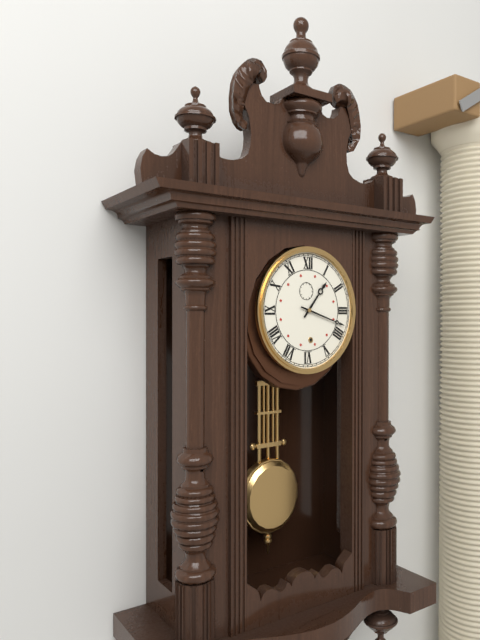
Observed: 1h18
